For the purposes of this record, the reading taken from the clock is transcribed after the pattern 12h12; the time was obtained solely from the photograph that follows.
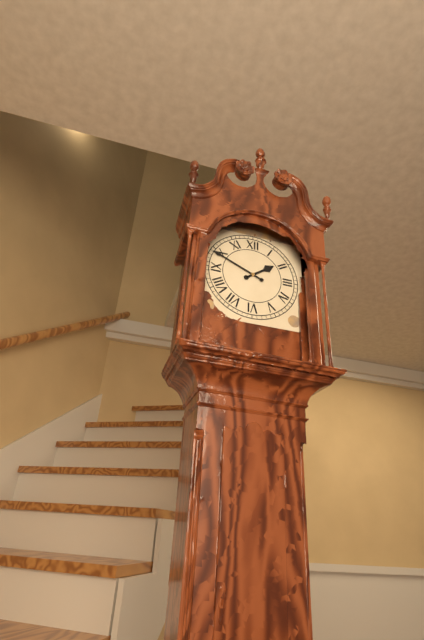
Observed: 1h49
